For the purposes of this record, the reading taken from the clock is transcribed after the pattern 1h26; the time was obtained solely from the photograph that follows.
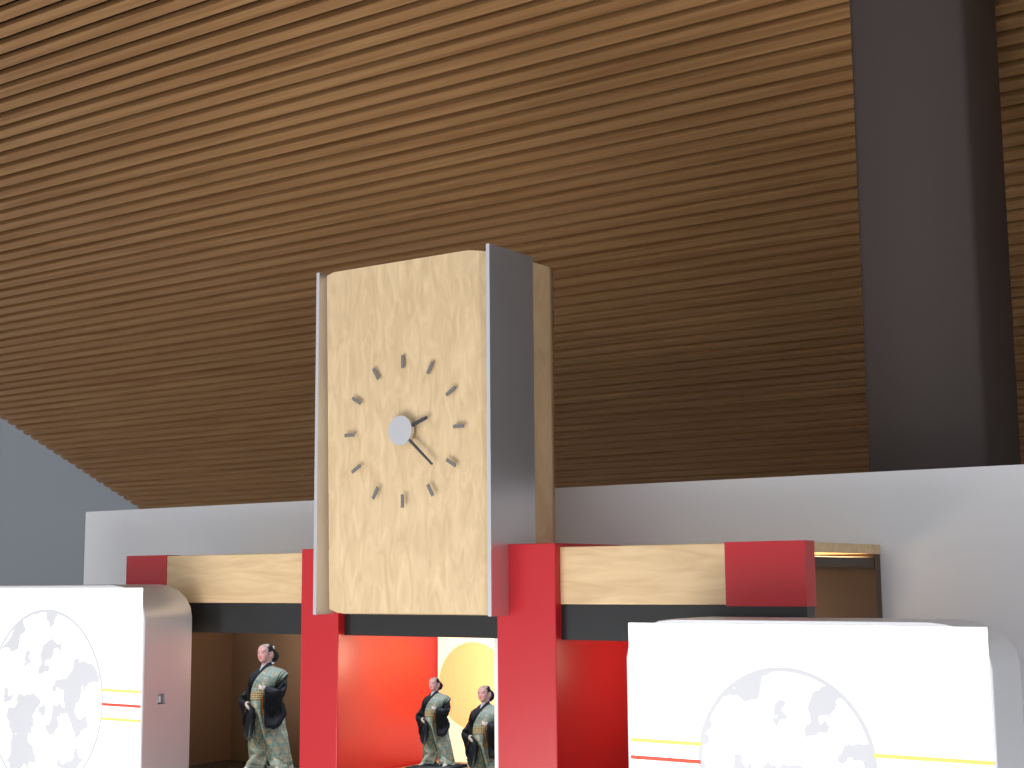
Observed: 2h22
